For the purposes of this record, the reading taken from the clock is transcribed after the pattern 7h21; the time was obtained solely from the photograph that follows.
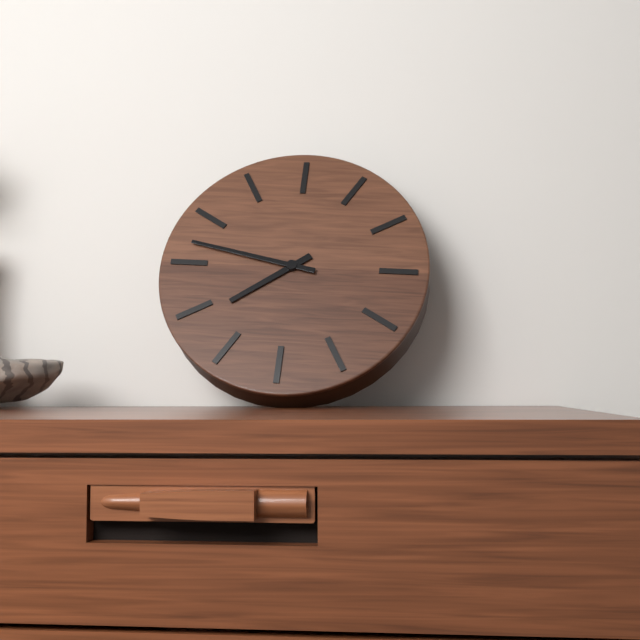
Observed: 7h47
